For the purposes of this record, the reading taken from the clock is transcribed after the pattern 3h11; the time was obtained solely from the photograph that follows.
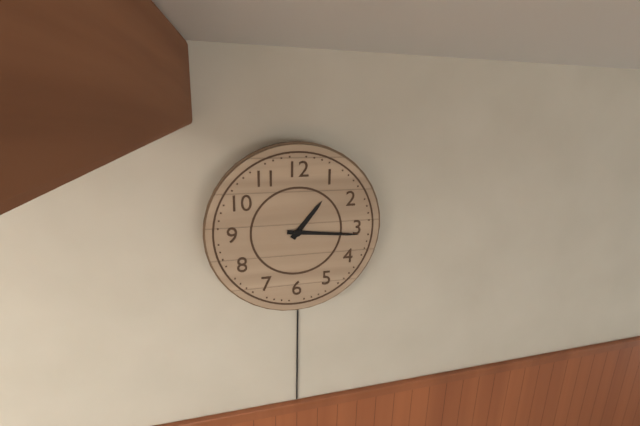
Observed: 1h16
